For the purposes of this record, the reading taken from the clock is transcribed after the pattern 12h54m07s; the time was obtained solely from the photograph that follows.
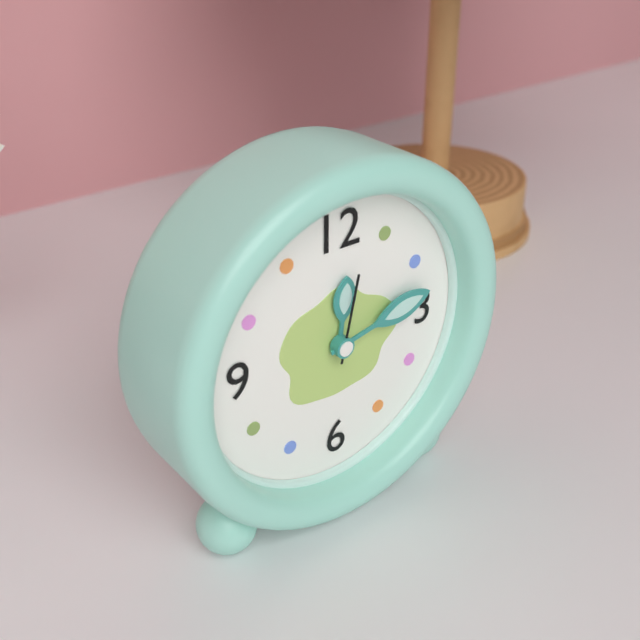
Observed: 12h13m02s
